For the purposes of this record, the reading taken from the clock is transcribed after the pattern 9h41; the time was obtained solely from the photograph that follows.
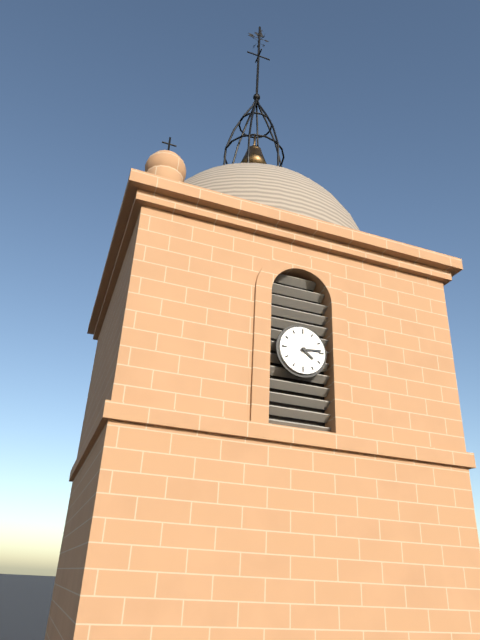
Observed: 4h14
